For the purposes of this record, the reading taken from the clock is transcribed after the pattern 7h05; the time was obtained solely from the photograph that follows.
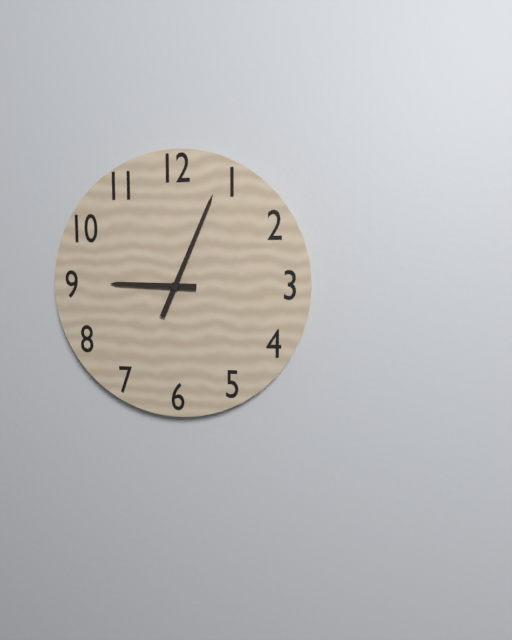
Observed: 9h04
